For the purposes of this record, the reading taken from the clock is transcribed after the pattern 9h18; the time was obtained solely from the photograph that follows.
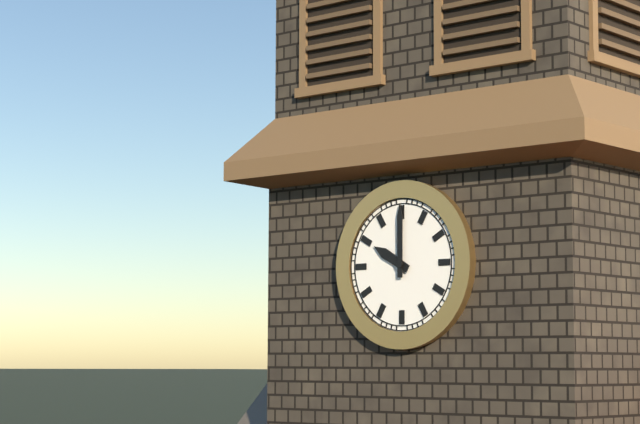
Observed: 10h00
